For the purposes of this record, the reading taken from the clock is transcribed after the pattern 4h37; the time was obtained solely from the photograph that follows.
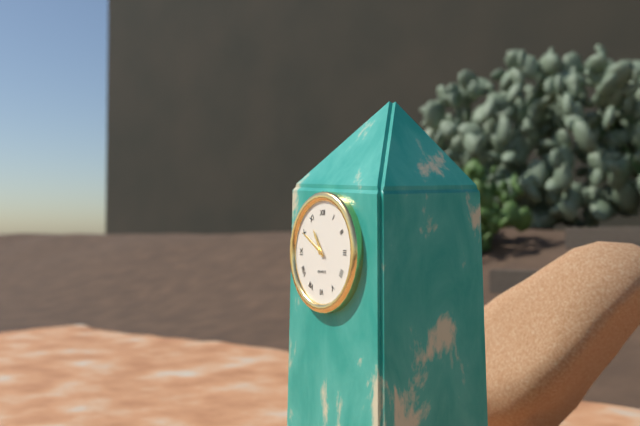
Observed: 10h50
